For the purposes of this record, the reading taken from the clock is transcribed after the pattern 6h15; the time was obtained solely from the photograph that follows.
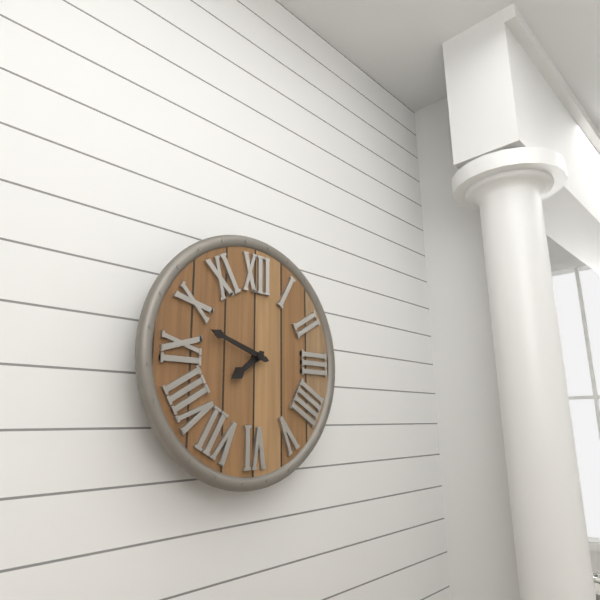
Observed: 7h48
